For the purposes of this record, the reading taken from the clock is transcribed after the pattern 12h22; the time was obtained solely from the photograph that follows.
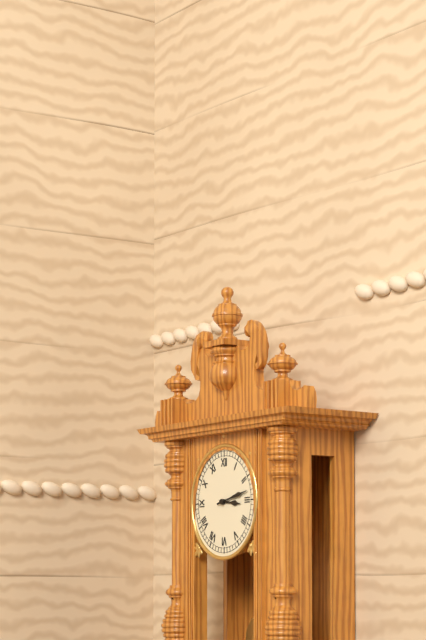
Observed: 3h13
